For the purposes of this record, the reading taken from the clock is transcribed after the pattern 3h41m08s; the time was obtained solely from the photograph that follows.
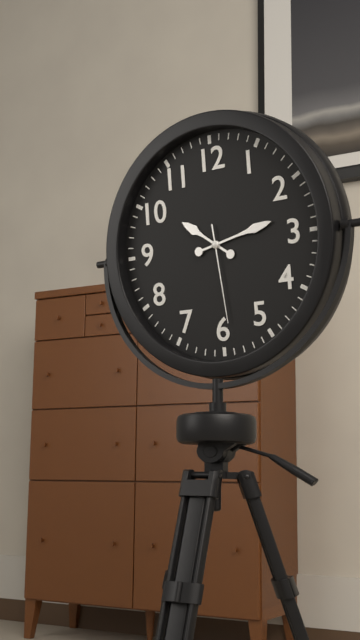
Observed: 10h13m29s
